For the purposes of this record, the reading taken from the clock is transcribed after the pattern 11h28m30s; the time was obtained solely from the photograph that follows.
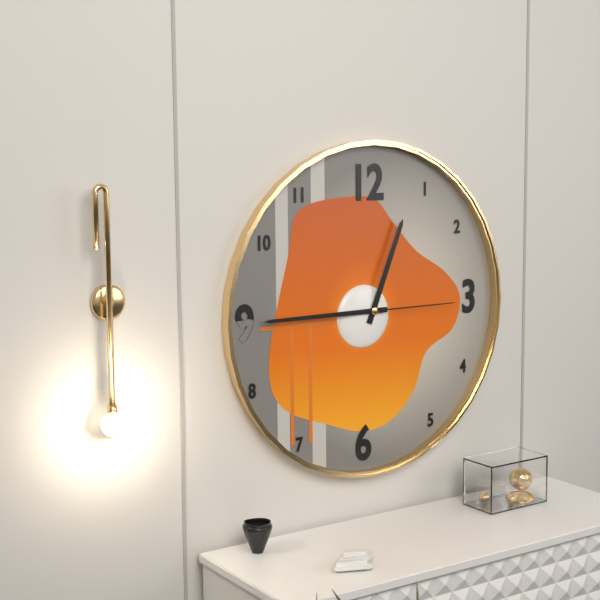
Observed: 12h45m15s
